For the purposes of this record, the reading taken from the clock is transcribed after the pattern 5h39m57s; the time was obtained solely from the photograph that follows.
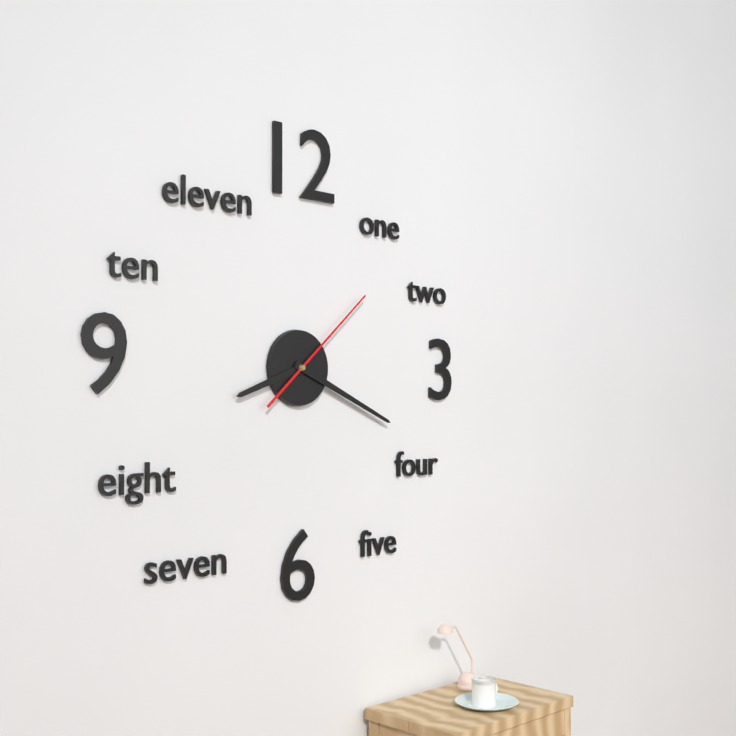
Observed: 8h19m08s
